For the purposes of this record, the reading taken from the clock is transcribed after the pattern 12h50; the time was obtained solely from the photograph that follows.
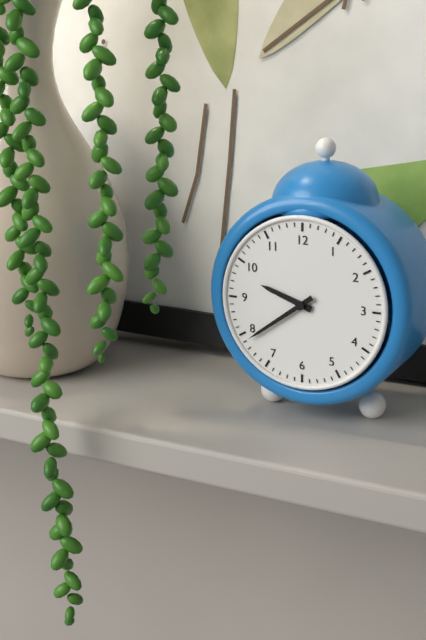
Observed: 9h39
